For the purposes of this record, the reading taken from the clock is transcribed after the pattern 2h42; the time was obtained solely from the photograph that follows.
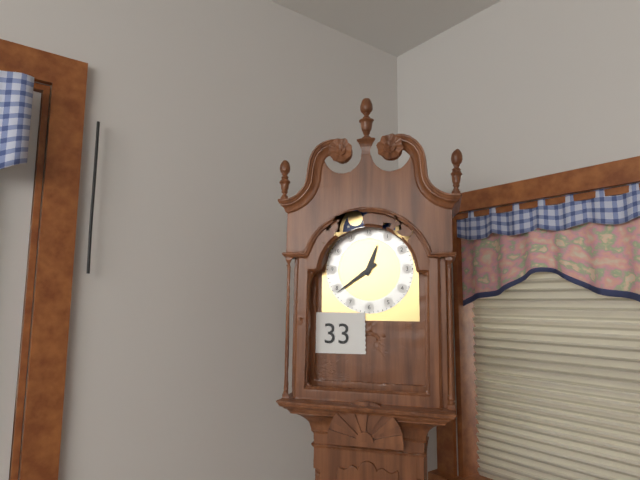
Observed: 12h39
